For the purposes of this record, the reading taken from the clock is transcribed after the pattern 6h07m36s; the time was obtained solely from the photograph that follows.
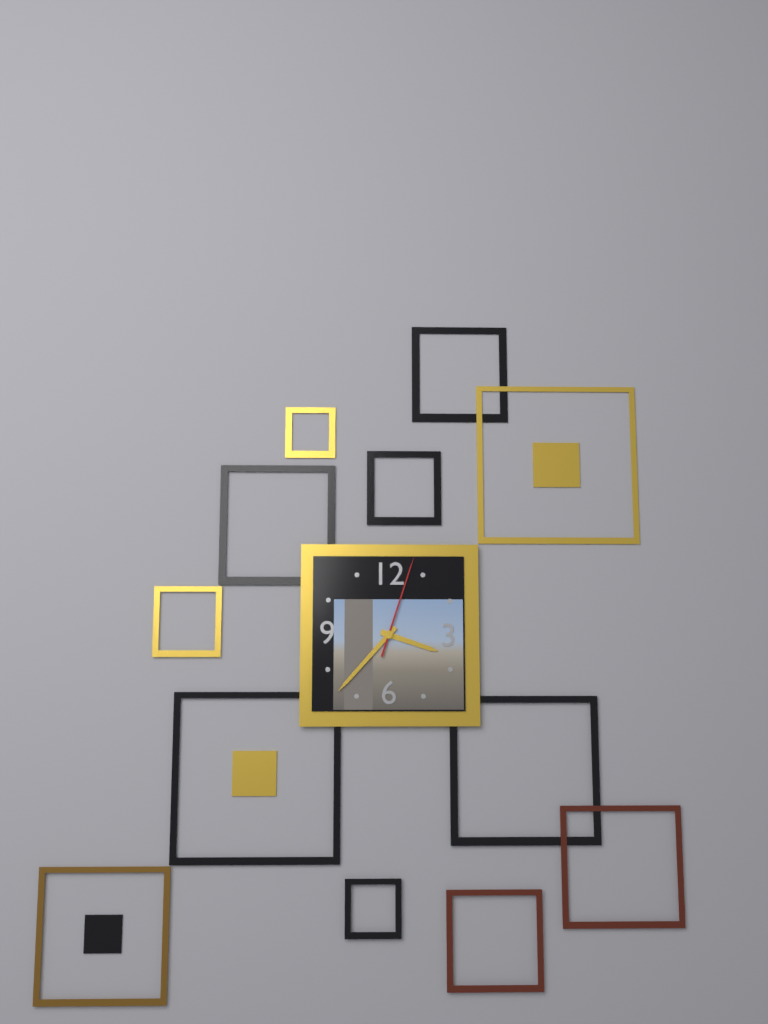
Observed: 3h37m03s
